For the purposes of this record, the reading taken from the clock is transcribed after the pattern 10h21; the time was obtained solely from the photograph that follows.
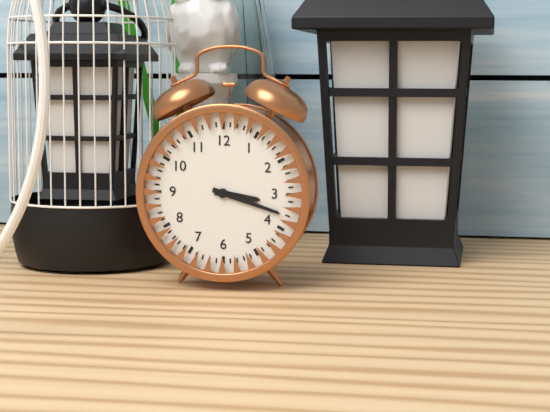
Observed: 3h18
